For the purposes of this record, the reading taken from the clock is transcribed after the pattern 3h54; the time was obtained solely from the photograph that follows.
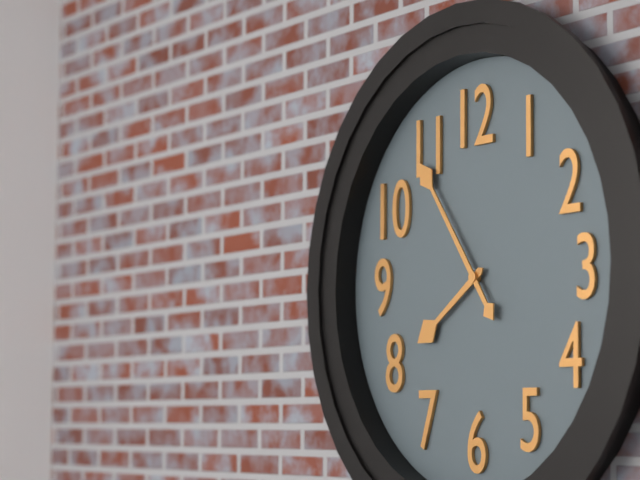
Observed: 7h54
